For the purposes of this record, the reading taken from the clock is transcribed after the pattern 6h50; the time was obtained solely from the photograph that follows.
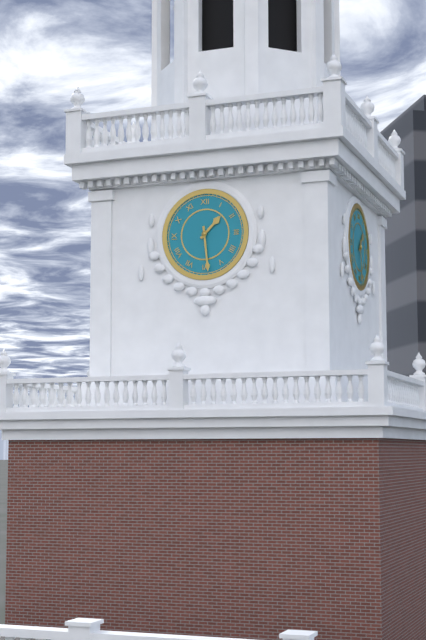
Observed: 1h29
